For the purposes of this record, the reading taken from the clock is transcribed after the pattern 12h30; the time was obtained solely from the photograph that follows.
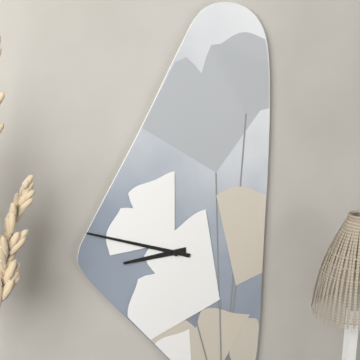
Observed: 8h48
